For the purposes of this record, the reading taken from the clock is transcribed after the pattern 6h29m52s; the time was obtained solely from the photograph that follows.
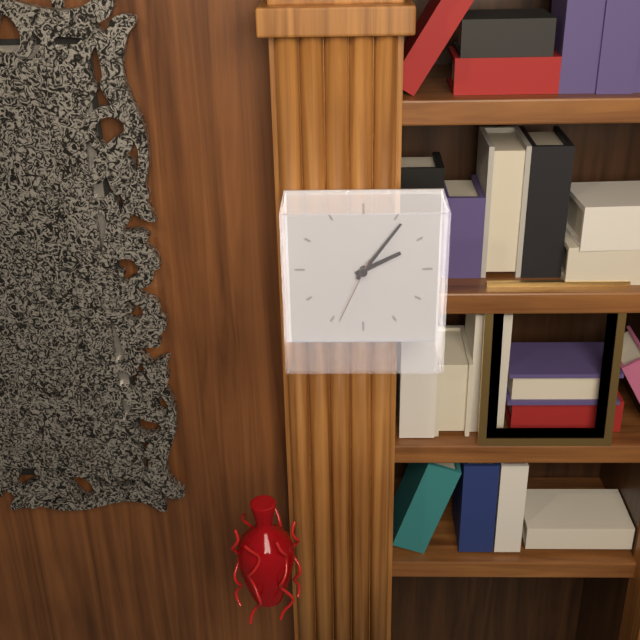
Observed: 2h06m34s
